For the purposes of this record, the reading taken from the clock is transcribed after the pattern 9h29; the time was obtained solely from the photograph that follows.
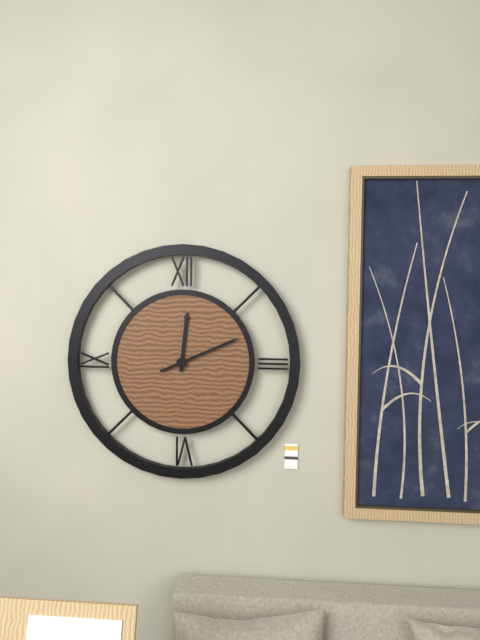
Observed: 12h11
